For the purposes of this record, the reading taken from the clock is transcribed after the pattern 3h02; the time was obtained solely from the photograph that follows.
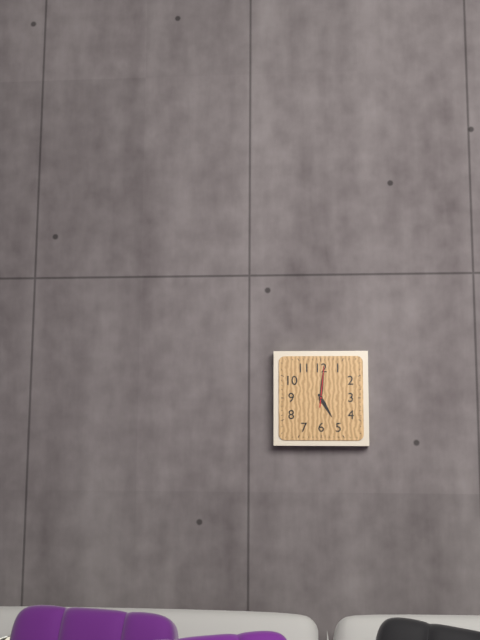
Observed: 5h01
